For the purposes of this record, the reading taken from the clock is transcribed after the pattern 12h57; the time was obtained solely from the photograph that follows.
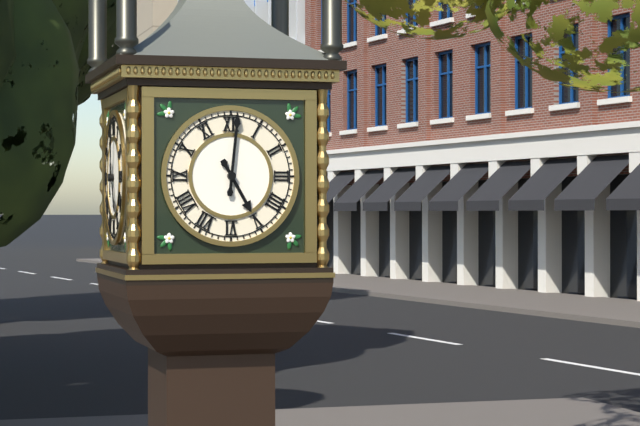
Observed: 5h01
